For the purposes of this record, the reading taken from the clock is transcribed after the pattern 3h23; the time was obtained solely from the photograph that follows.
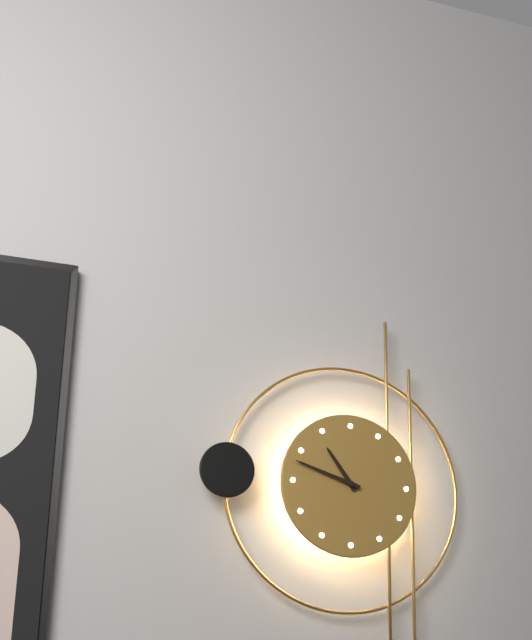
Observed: 10h48
